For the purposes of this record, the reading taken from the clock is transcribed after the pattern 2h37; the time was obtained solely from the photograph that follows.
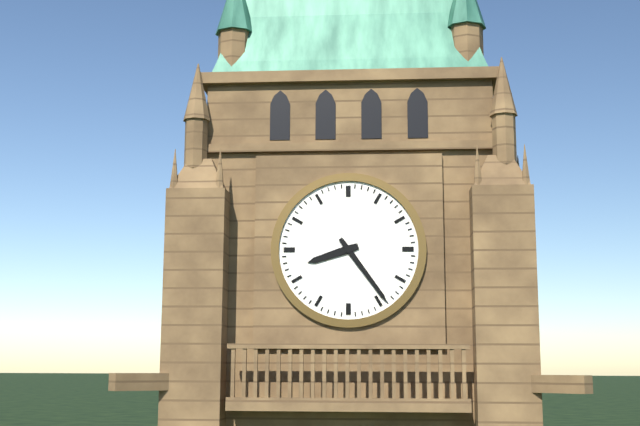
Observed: 8h24
